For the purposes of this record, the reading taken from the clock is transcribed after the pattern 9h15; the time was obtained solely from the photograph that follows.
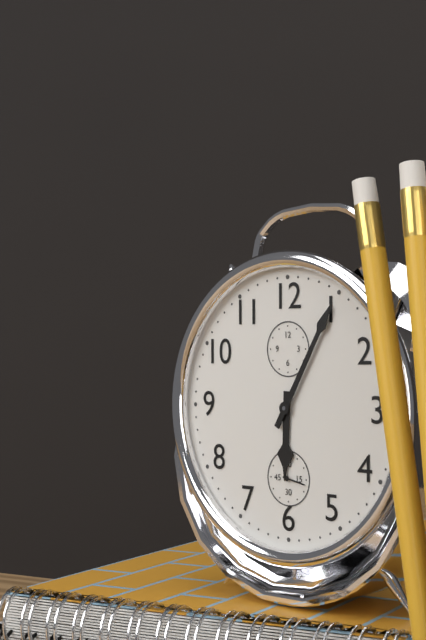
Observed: 6h05
